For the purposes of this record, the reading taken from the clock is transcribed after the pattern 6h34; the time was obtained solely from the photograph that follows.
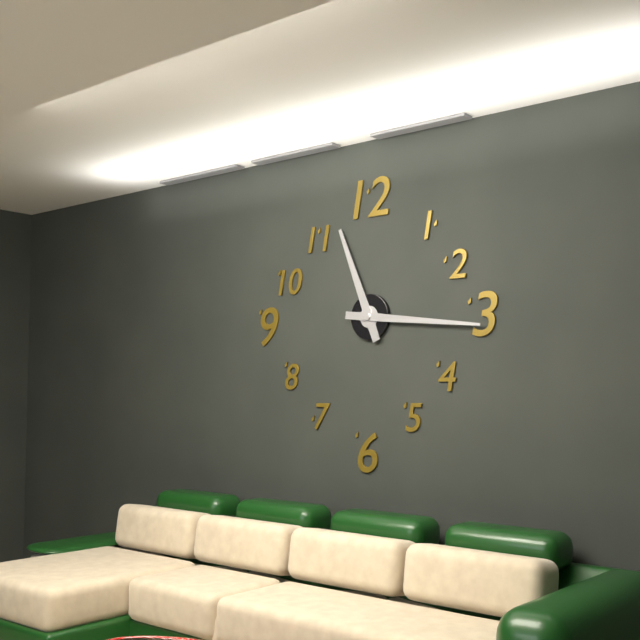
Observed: 11h16
